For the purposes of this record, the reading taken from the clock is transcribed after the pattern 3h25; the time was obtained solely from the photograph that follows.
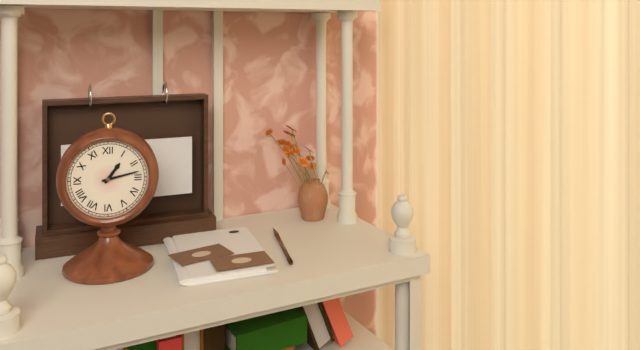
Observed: 1h13
